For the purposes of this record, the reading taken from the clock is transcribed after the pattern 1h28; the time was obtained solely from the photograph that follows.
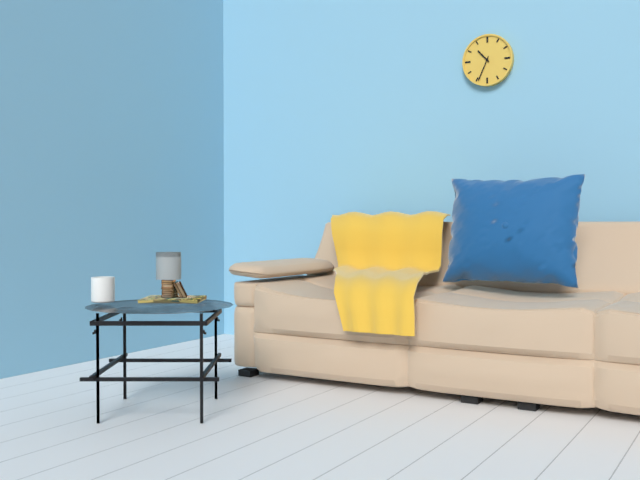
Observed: 10h34
